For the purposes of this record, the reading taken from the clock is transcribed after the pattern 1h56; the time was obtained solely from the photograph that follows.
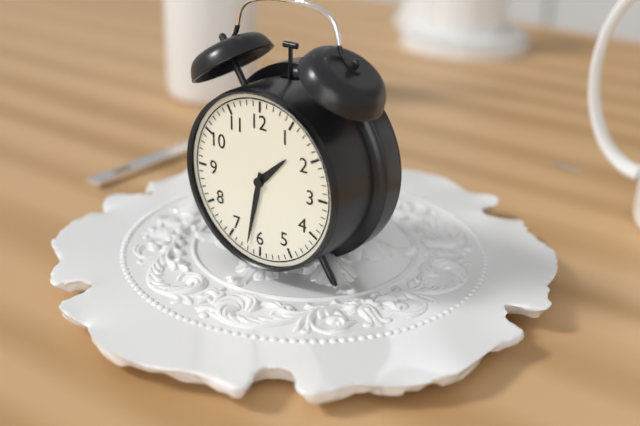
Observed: 1h32
